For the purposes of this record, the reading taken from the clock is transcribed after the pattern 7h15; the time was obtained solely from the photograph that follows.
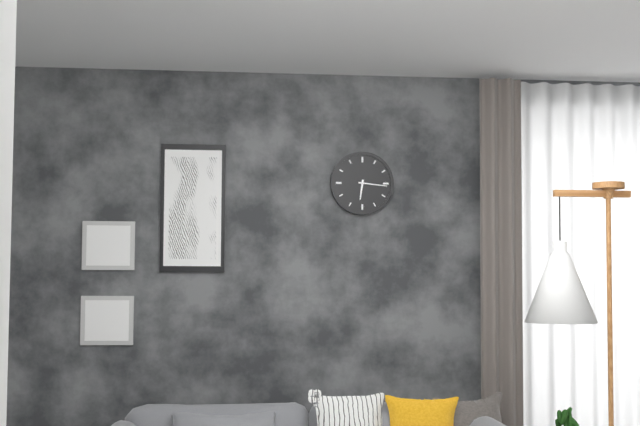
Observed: 6h16
